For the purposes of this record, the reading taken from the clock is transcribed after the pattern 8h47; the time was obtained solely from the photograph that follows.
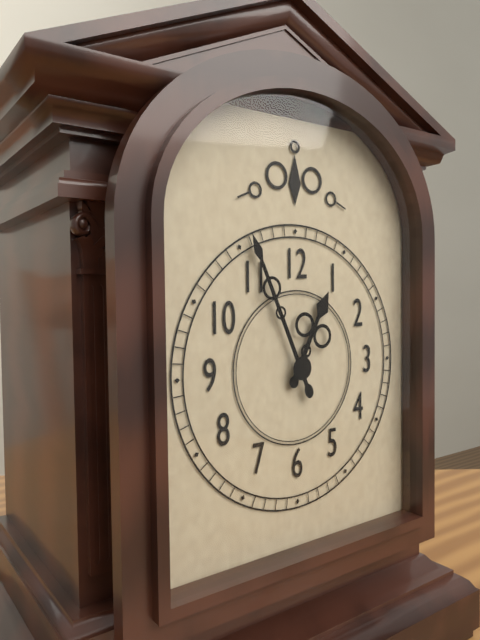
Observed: 12h56
